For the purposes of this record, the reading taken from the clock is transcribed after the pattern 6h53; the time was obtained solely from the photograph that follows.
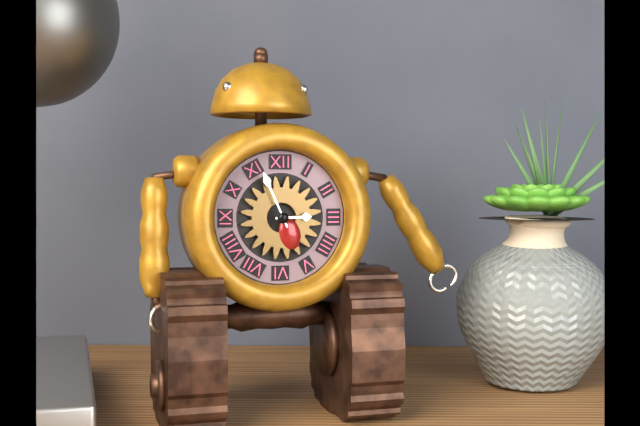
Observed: 2h56
